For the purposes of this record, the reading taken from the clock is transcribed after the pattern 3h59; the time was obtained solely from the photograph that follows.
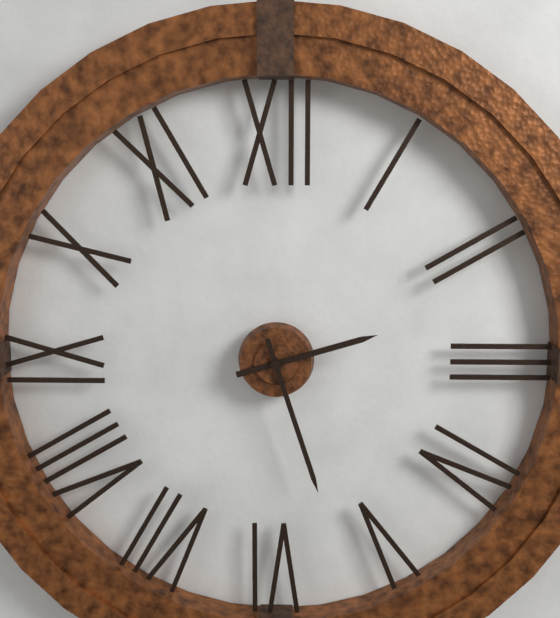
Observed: 2h27
